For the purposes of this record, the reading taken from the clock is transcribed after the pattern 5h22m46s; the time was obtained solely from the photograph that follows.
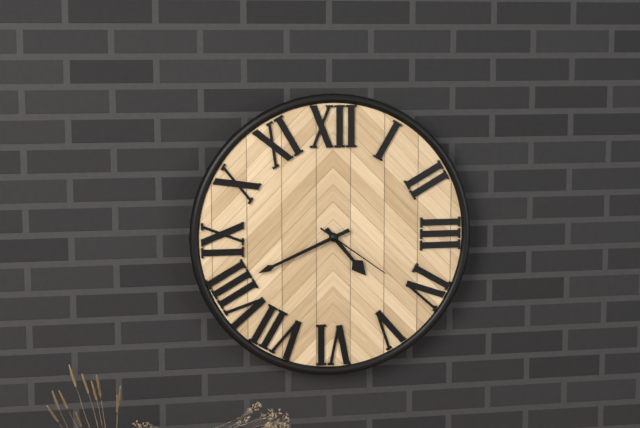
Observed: 4h41m21s
